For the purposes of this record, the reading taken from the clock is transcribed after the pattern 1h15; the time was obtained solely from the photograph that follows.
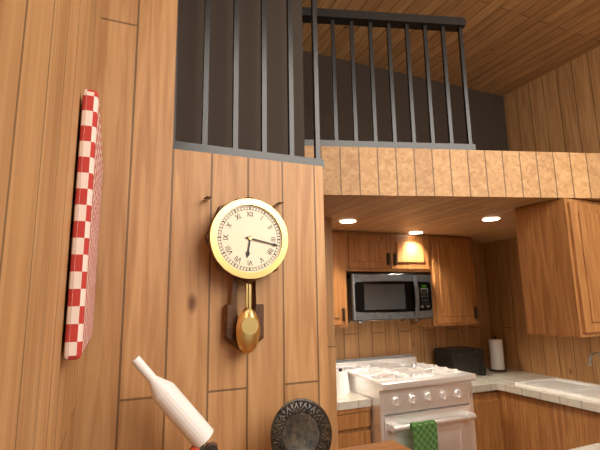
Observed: 6h17
